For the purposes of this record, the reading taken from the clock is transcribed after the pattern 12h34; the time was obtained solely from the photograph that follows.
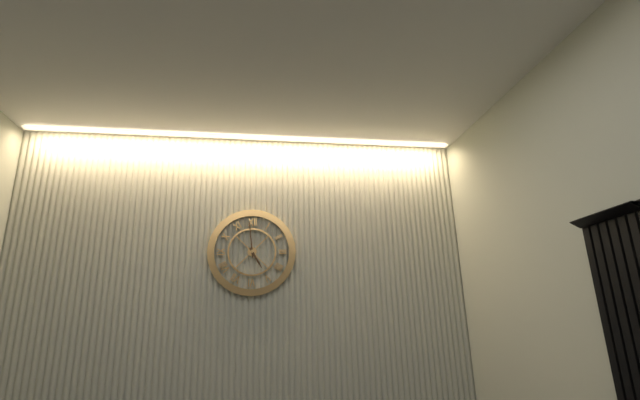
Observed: 4h59
